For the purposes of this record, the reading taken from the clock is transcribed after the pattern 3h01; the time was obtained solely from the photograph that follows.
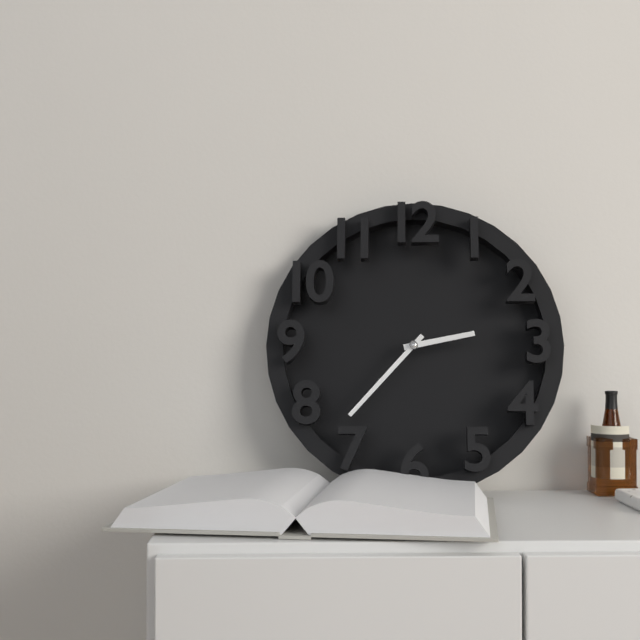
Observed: 2h37
